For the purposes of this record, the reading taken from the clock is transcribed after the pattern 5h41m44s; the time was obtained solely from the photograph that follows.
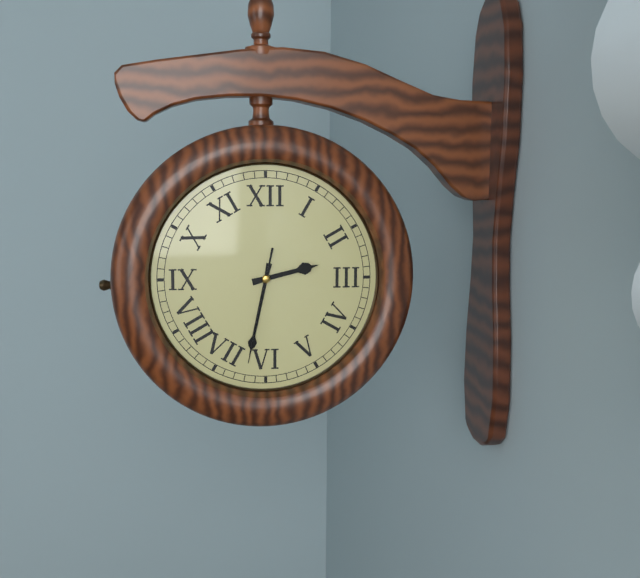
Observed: 2h32m32s
